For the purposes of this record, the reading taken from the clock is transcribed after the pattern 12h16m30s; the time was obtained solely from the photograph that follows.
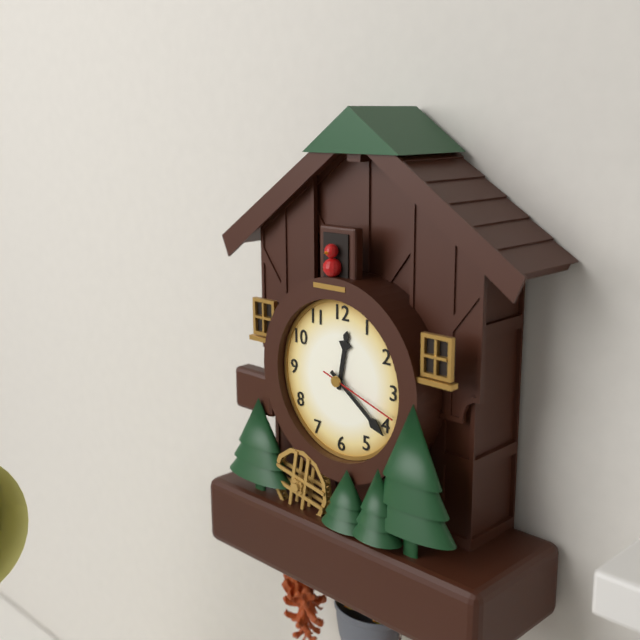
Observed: 12h21m18s
